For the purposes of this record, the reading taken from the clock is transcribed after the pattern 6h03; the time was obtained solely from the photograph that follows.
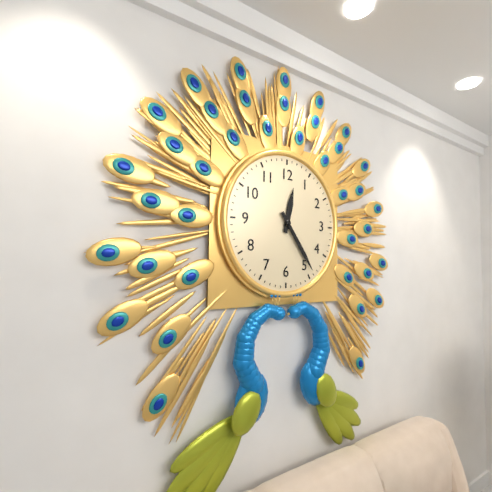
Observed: 12h24
